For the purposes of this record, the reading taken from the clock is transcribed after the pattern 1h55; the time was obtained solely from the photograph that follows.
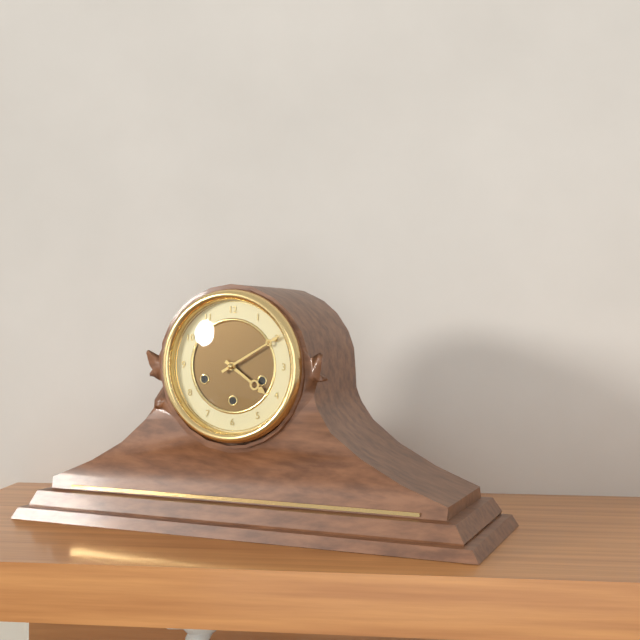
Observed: 4h10
